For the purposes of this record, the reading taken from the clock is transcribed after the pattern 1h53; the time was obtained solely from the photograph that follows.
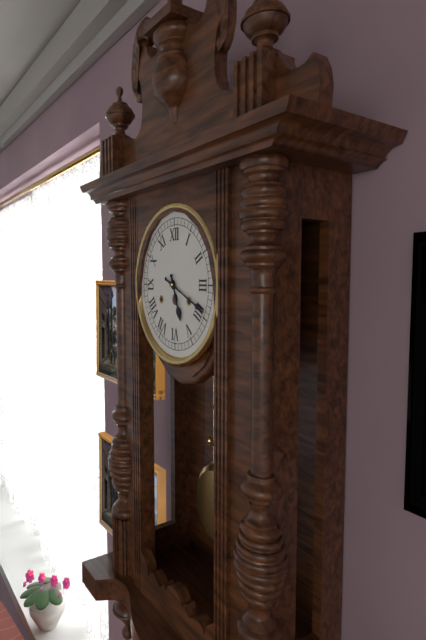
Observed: 5h19
